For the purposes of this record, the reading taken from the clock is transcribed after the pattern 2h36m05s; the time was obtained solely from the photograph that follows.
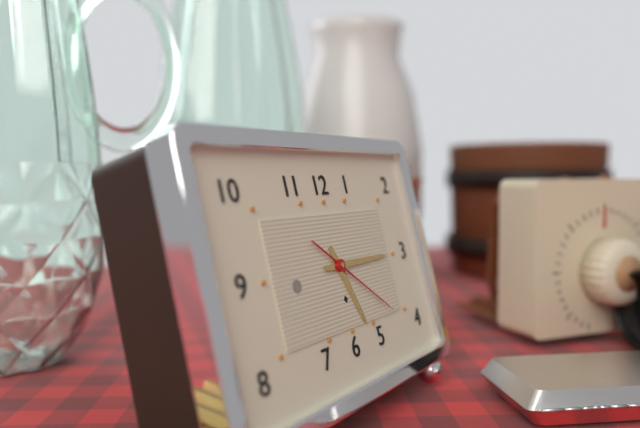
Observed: 5h15m21s
